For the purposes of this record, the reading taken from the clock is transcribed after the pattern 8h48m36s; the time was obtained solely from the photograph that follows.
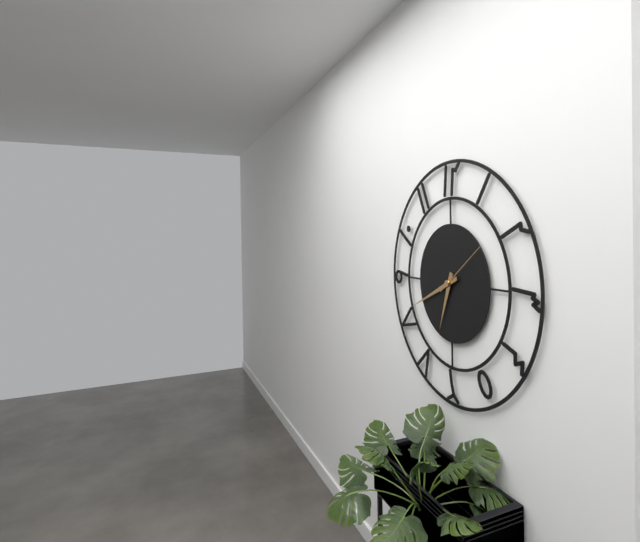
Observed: 6h41m09s
